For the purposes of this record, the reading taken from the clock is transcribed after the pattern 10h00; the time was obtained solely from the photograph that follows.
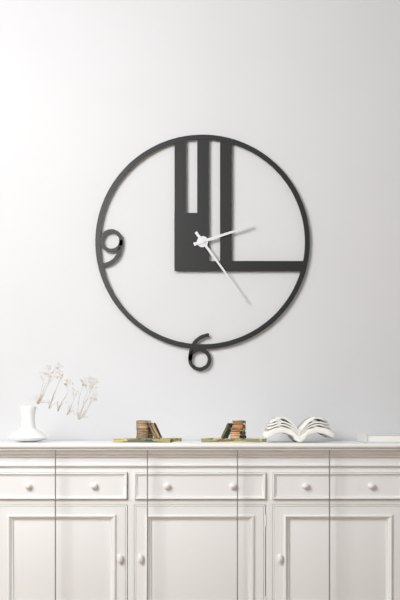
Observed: 2h24
